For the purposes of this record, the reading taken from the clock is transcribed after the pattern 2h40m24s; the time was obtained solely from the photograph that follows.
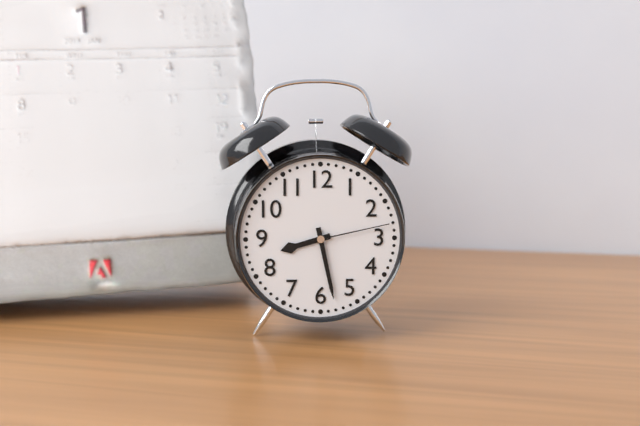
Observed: 8h28m13s
